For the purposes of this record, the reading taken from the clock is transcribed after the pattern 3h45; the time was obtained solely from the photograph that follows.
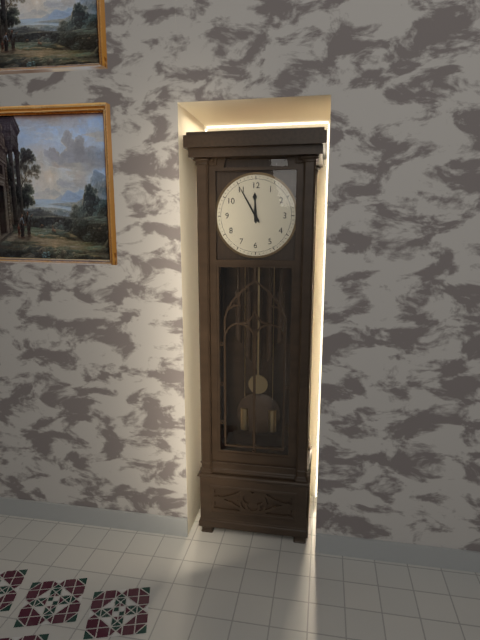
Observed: 11h55
